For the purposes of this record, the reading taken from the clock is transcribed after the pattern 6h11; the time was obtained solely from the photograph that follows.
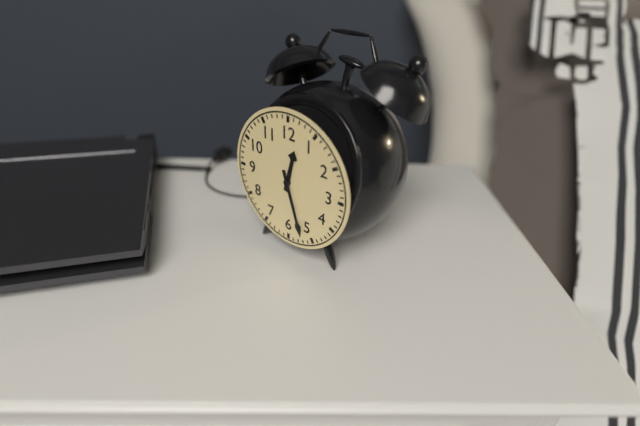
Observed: 12h27
